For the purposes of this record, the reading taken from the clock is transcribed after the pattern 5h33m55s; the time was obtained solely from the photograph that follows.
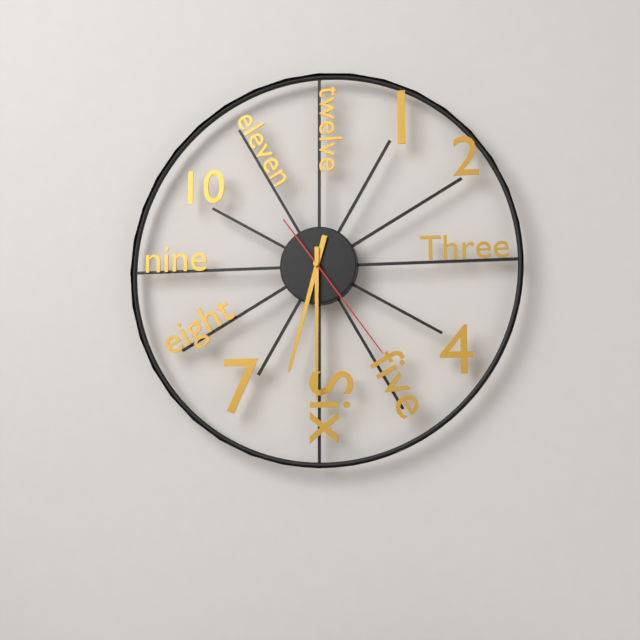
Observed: 6h30m24s
